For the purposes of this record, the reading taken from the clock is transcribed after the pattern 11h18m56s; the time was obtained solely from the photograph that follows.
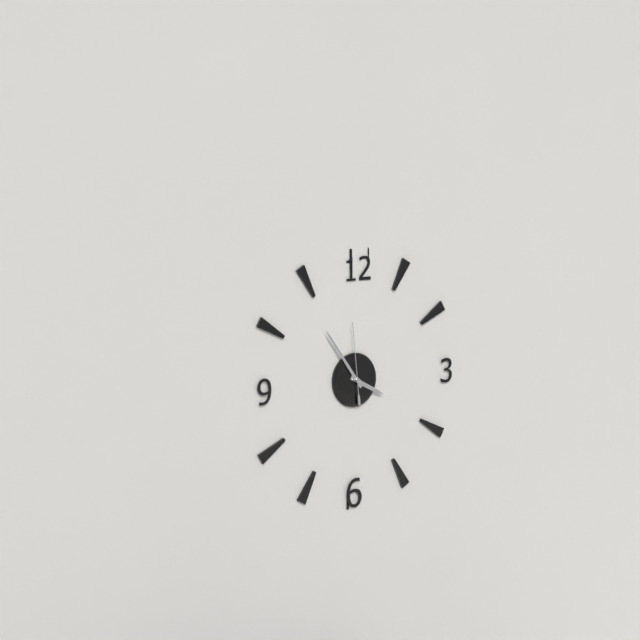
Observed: 3h54m59s
